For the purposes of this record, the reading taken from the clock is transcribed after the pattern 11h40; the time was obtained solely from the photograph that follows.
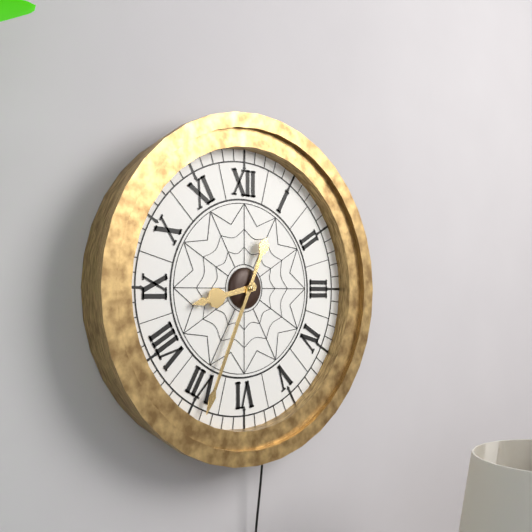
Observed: 8h34
